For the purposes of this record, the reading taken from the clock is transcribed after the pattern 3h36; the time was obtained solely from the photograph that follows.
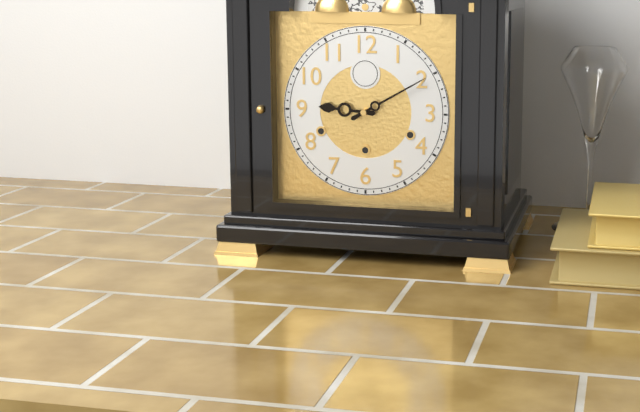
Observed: 9h10
